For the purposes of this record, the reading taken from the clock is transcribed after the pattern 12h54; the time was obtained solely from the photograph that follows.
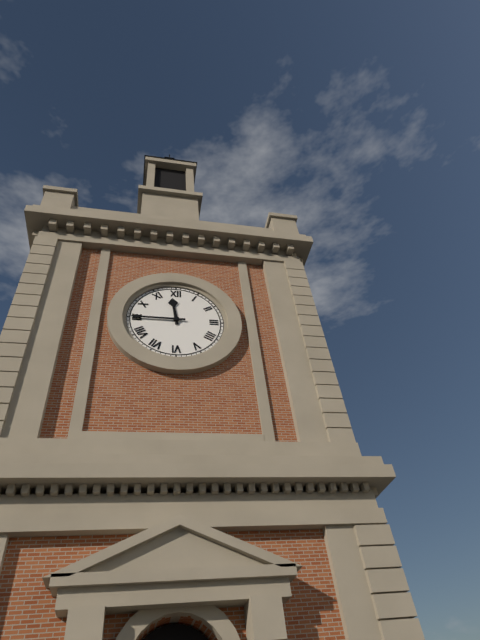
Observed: 11h45
